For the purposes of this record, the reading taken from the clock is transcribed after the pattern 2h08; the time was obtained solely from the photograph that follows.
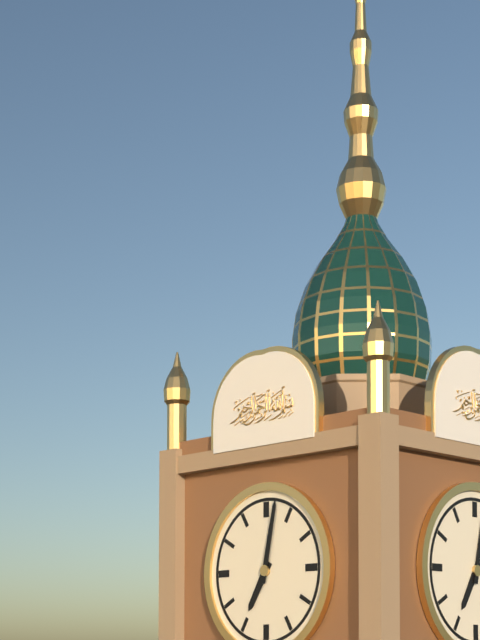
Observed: 7h02
